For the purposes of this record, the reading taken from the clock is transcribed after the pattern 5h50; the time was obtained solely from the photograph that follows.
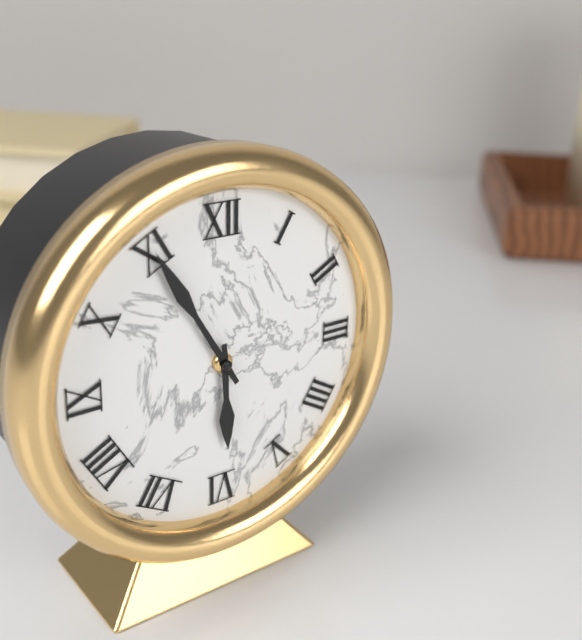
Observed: 5h55
